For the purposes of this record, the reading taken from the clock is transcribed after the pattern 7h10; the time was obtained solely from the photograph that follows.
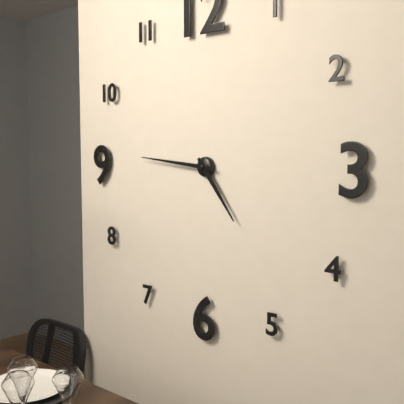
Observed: 4h46
